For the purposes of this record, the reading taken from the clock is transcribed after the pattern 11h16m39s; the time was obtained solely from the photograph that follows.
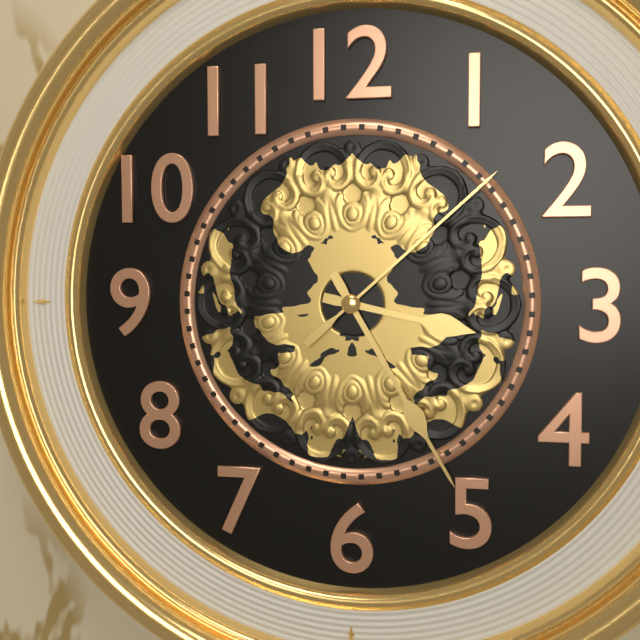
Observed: 3h25m08s
